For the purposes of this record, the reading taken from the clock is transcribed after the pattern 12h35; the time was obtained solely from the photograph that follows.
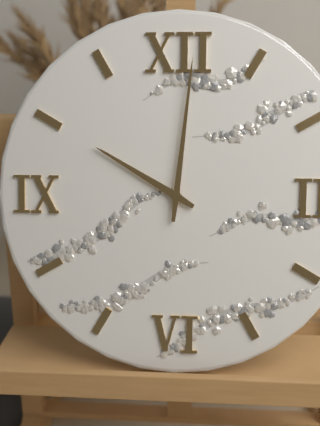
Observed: 10h01
